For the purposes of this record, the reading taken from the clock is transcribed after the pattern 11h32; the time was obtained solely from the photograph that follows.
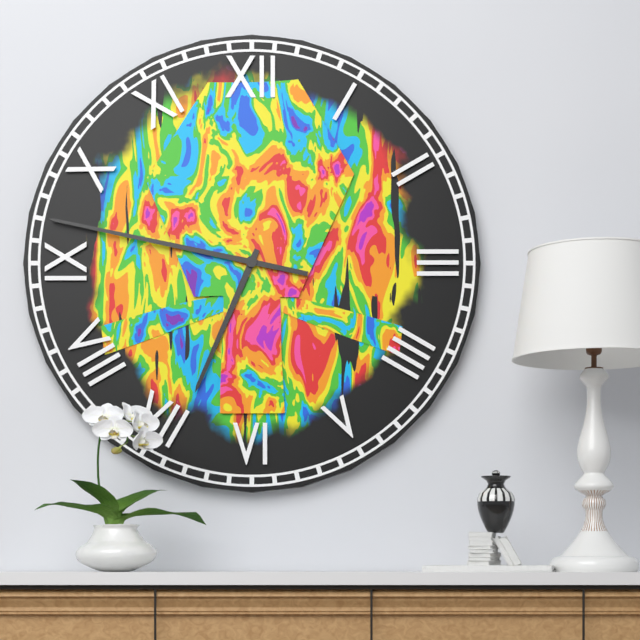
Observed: 6h47
